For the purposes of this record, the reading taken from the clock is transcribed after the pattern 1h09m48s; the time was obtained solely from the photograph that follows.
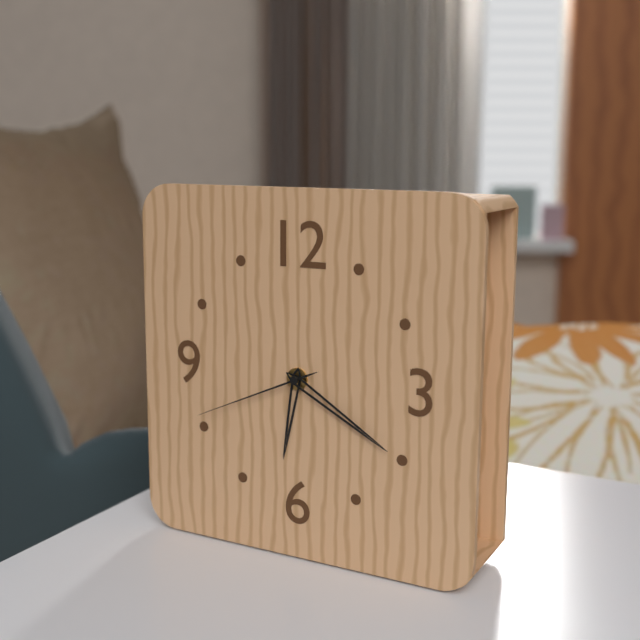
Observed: 6h20m41s
